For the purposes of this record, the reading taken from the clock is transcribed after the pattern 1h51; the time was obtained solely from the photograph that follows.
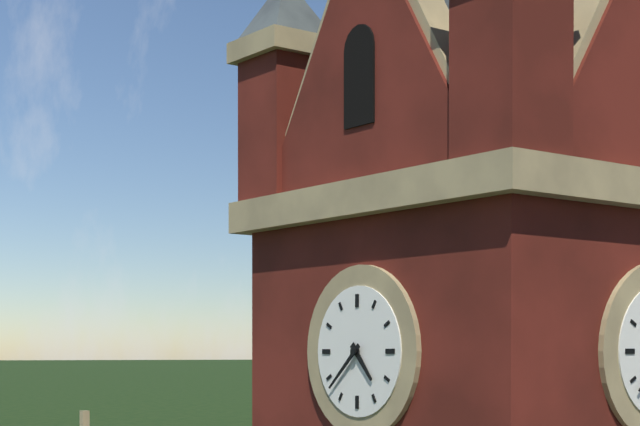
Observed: 4h38
